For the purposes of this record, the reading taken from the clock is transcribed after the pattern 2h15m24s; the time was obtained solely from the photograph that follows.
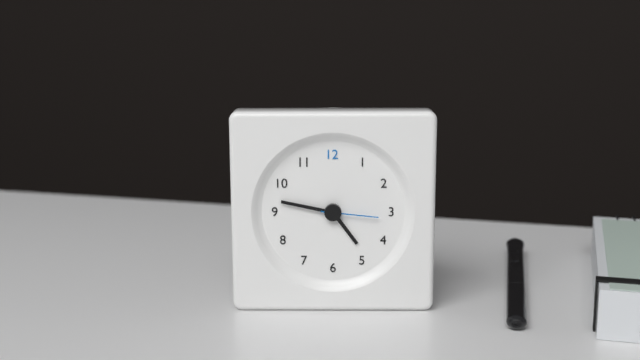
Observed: 4h47m16s
